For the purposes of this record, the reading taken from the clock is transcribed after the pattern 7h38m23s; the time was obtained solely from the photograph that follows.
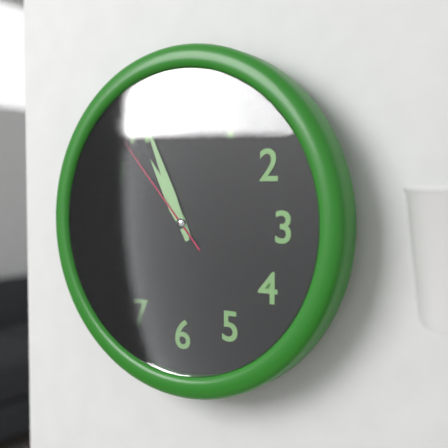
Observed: 10h56m53s
